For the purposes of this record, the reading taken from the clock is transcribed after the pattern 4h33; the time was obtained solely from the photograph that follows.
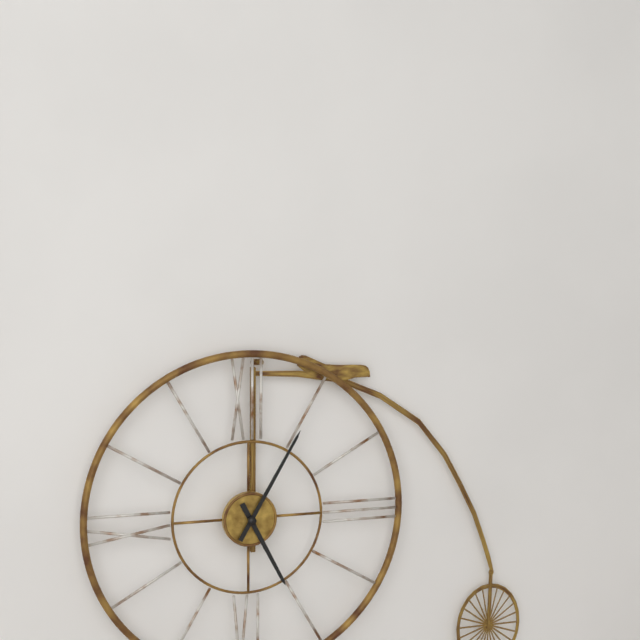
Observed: 5h05
